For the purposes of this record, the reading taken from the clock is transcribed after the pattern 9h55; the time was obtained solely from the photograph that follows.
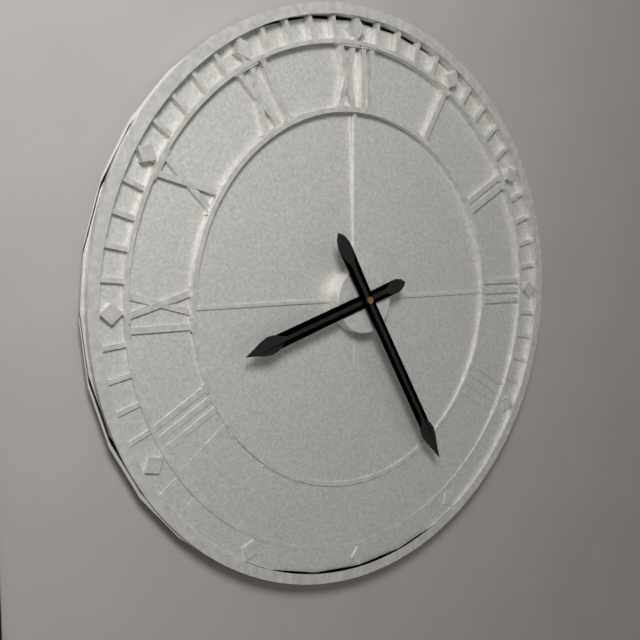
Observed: 8h25
